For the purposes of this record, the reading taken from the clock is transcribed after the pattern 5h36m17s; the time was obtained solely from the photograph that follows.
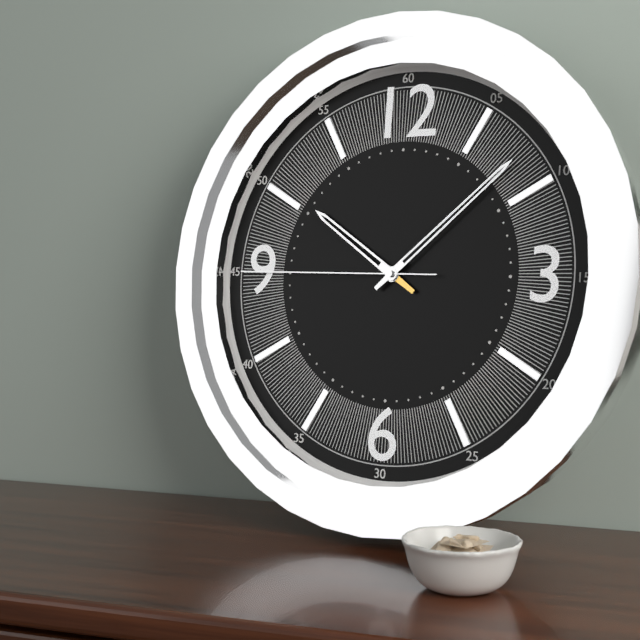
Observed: 10h08m45s
